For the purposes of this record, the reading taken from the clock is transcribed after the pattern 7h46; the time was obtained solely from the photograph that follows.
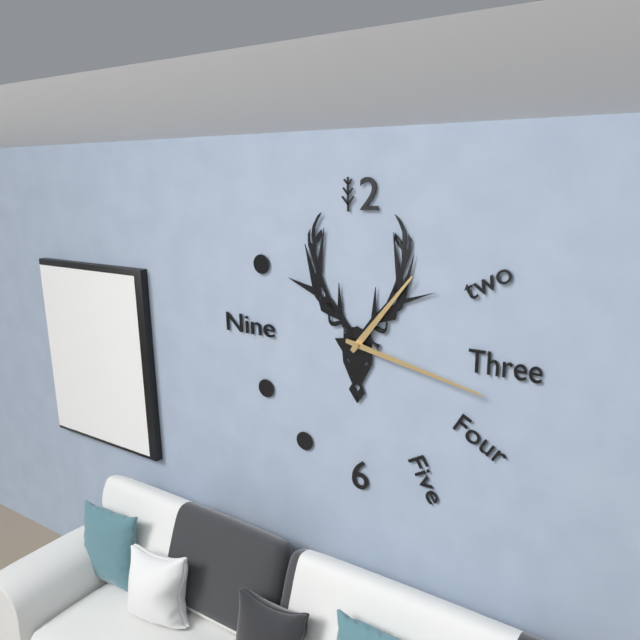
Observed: 1h17
